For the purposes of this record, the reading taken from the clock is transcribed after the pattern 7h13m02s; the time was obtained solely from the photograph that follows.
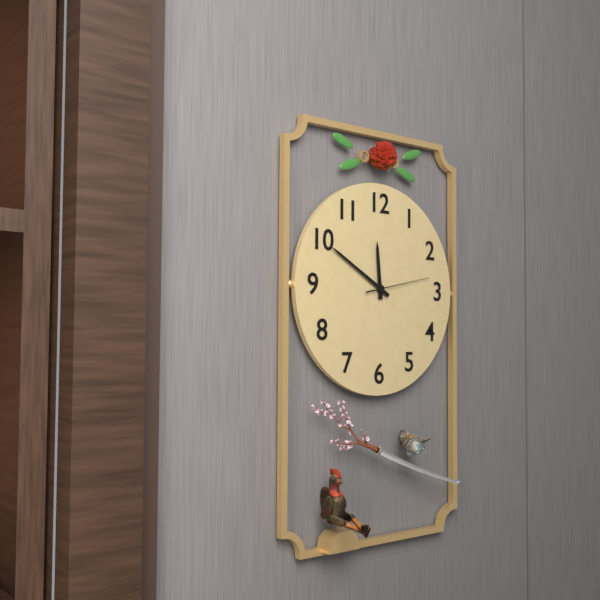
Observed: 11h50m13s
